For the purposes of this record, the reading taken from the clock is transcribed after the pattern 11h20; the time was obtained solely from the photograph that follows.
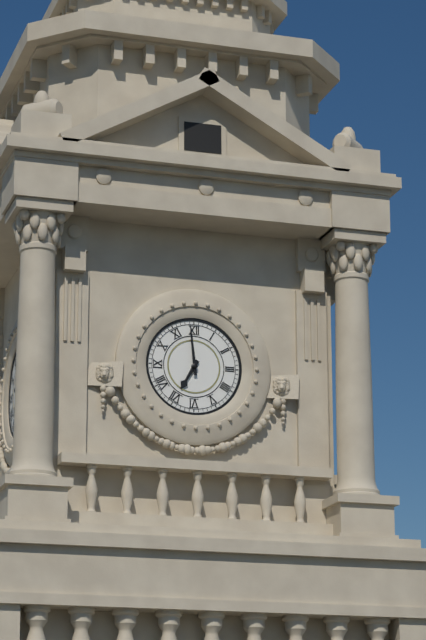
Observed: 6h59
